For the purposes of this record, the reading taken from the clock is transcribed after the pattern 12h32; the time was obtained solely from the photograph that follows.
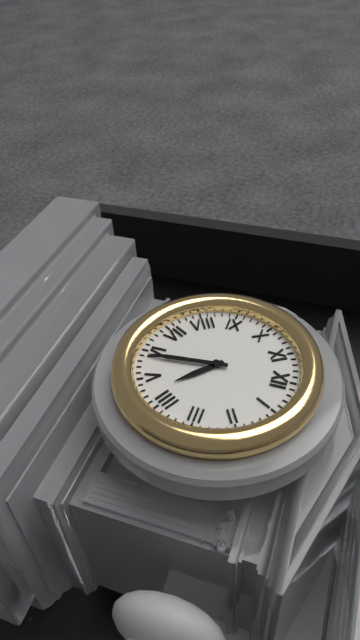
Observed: 4h29
